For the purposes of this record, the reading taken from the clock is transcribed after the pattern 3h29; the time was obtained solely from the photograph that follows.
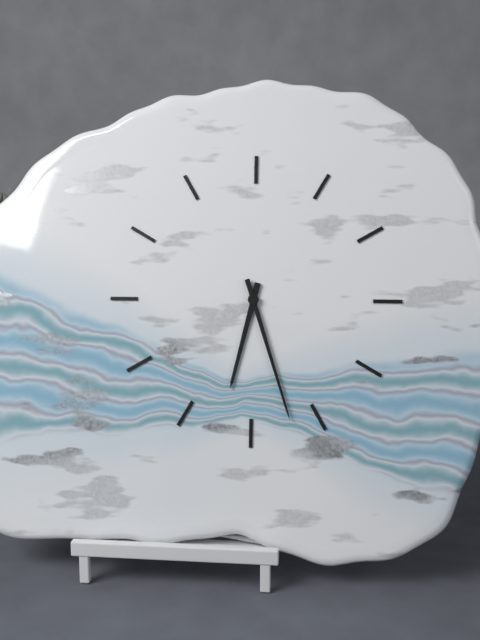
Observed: 6h27
